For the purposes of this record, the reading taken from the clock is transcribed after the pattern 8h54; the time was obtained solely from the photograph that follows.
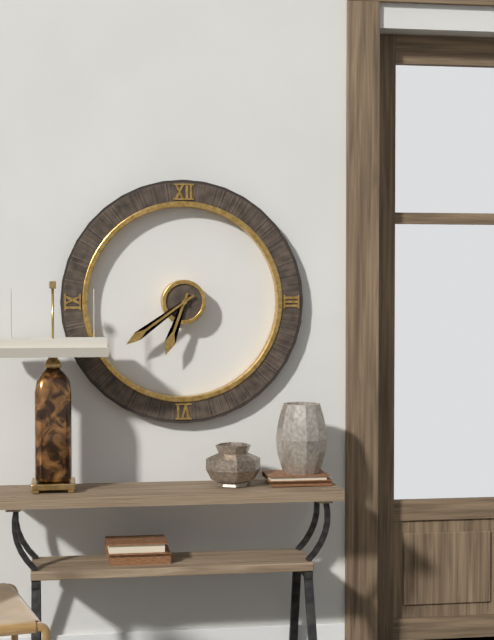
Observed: 6h39
